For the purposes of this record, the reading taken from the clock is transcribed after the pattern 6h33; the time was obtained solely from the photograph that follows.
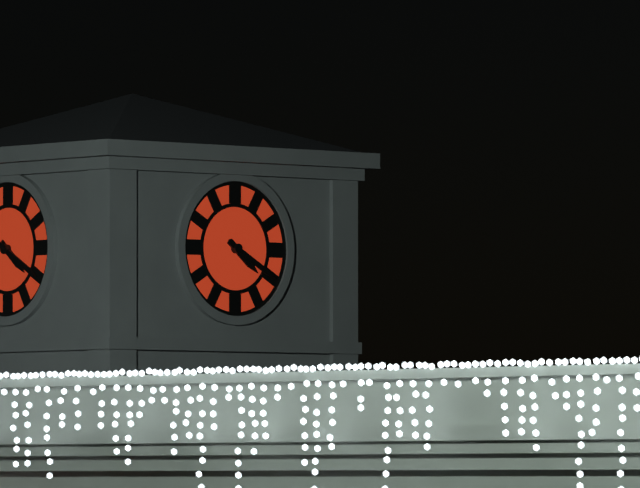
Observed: 4h20
